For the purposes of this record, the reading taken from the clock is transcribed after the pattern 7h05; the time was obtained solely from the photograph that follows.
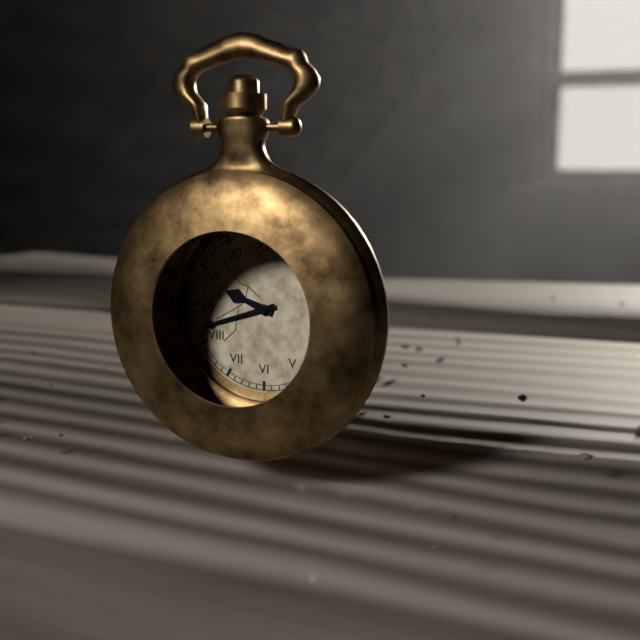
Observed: 9h42
